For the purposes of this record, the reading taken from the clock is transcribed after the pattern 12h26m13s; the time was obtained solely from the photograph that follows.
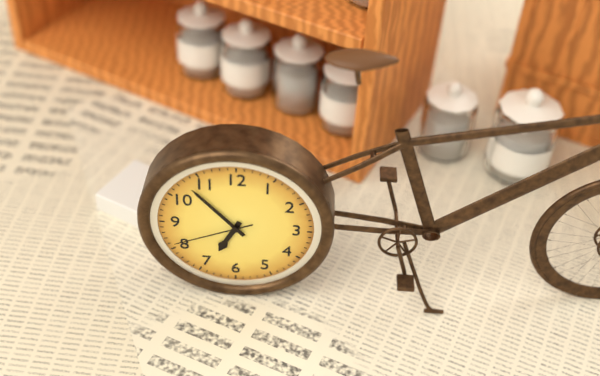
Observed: 6h53m41s
